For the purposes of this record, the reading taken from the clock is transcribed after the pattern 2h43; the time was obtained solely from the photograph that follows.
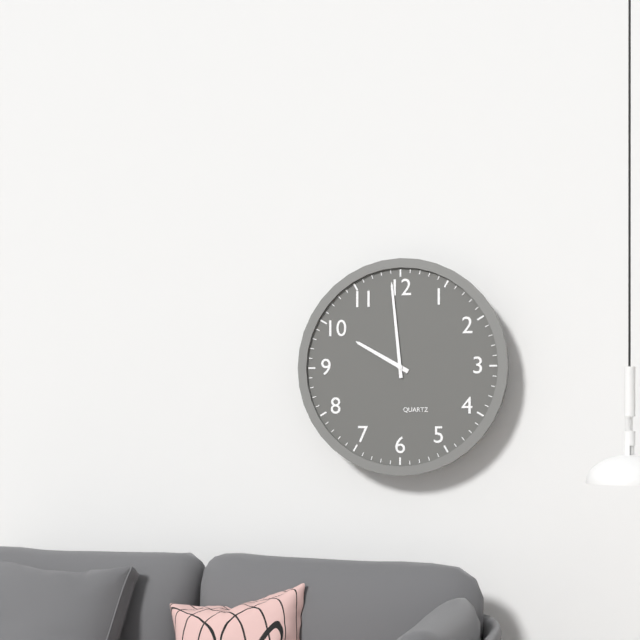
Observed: 9h59
